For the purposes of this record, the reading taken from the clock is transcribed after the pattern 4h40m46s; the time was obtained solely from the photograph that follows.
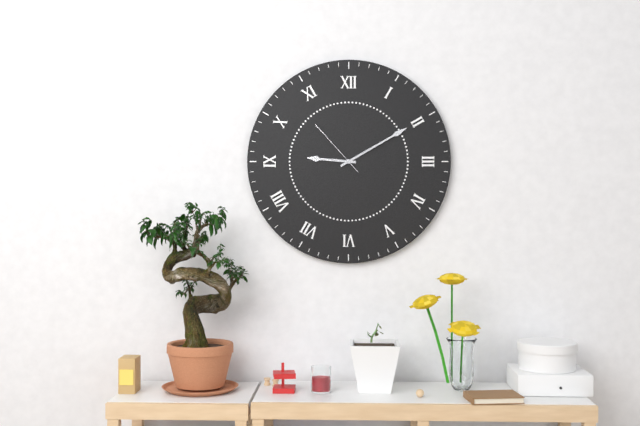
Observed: 9h10m53s
